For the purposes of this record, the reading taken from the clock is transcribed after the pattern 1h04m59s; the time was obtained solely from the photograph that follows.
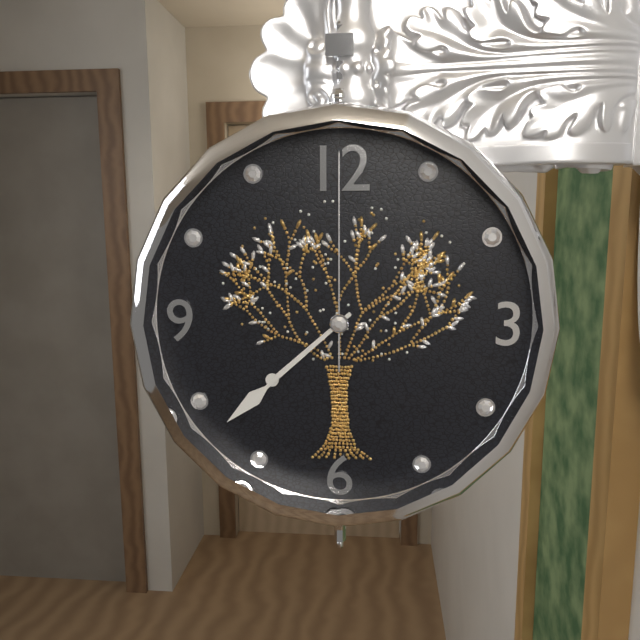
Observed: 7h38m00s
